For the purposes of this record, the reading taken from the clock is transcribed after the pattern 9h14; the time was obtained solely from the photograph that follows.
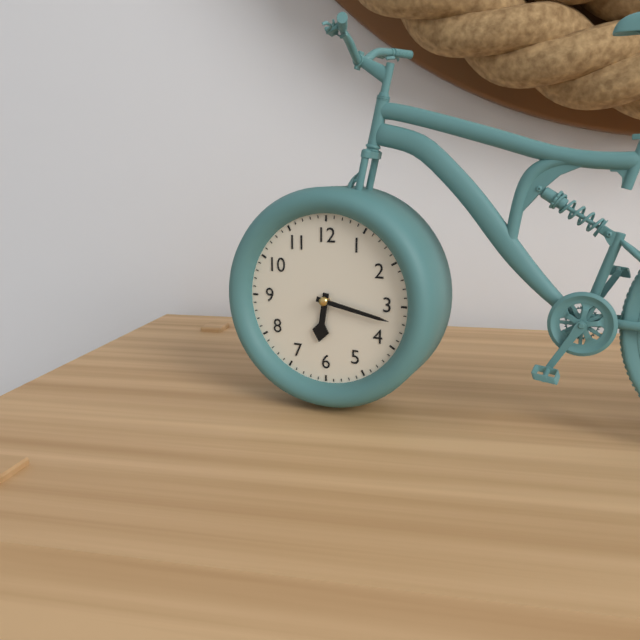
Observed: 6h17
